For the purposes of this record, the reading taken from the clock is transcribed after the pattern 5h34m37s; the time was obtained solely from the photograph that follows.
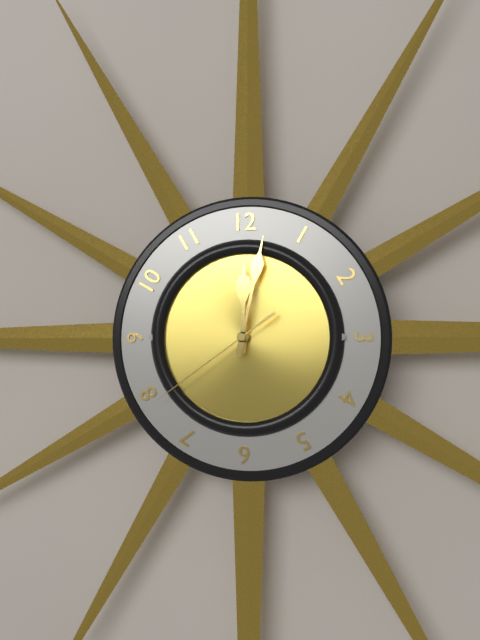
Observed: 12h02m39s
